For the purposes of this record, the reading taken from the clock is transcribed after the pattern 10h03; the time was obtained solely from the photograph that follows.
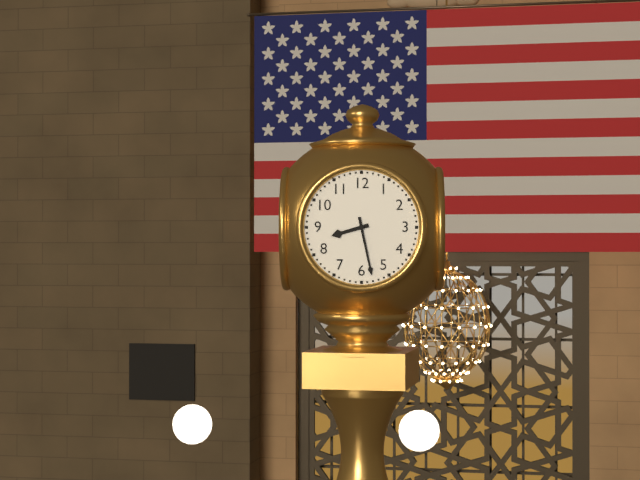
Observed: 8h28
